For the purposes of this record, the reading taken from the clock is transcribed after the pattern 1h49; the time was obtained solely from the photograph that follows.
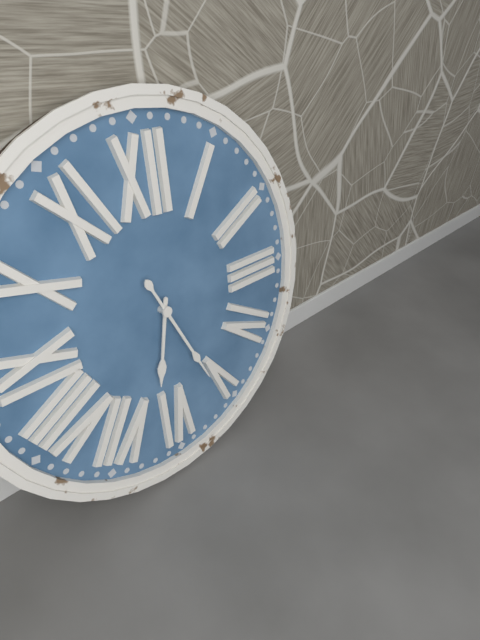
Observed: 6h26
